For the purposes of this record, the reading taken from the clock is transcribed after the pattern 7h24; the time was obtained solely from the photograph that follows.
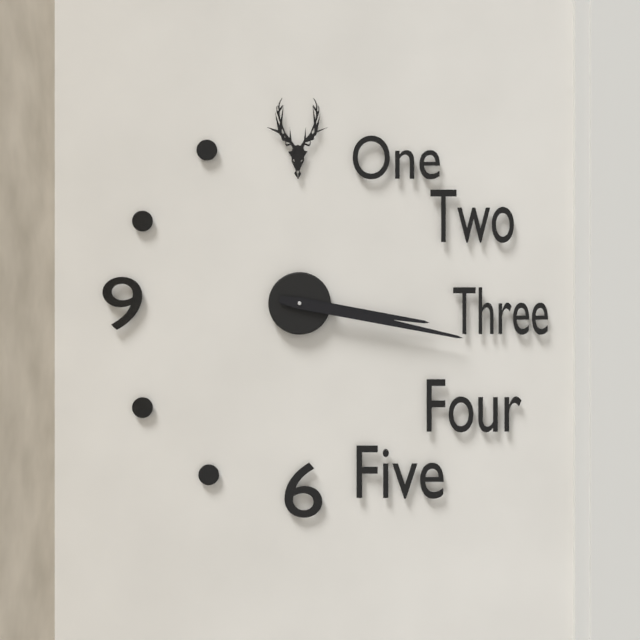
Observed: 3h17
